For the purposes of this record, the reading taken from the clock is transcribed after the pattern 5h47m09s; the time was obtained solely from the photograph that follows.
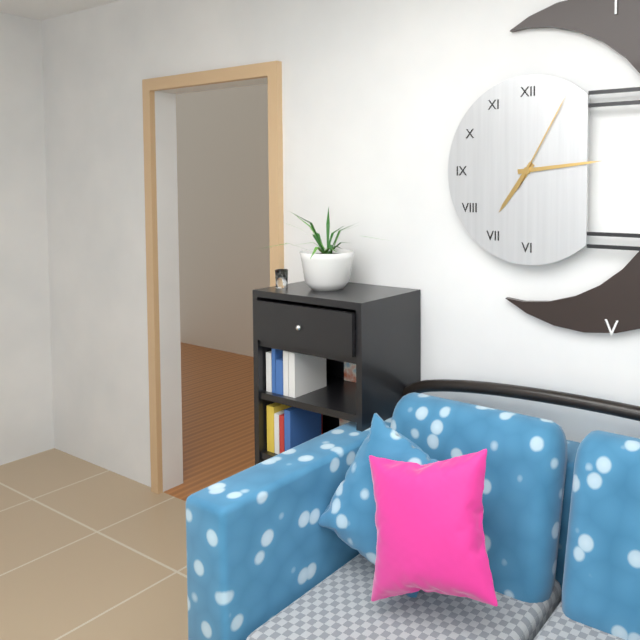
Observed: 7h14m05s
